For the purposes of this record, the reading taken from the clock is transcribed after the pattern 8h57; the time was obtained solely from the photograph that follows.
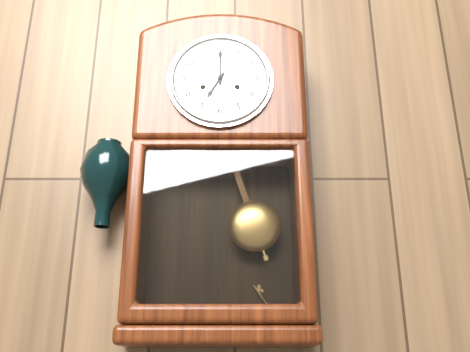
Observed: 7h00
